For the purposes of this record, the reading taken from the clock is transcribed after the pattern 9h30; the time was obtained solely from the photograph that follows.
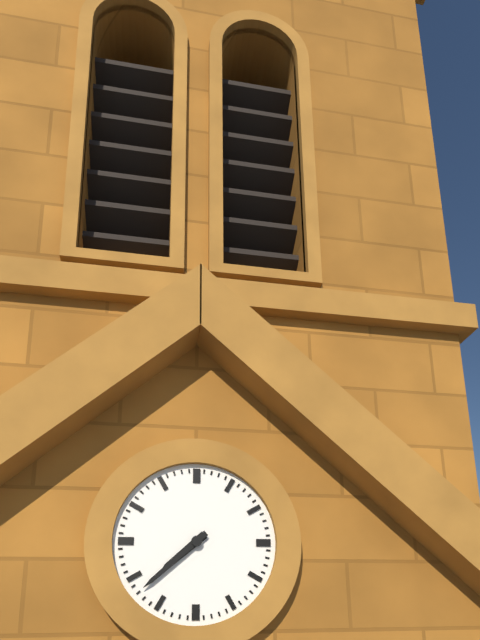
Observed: 7h38
